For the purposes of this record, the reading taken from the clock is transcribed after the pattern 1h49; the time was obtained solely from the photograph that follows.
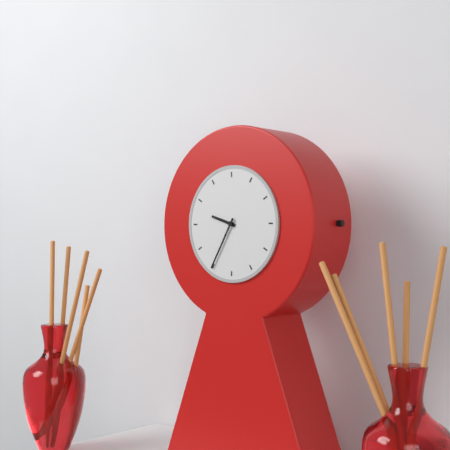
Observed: 9h35
